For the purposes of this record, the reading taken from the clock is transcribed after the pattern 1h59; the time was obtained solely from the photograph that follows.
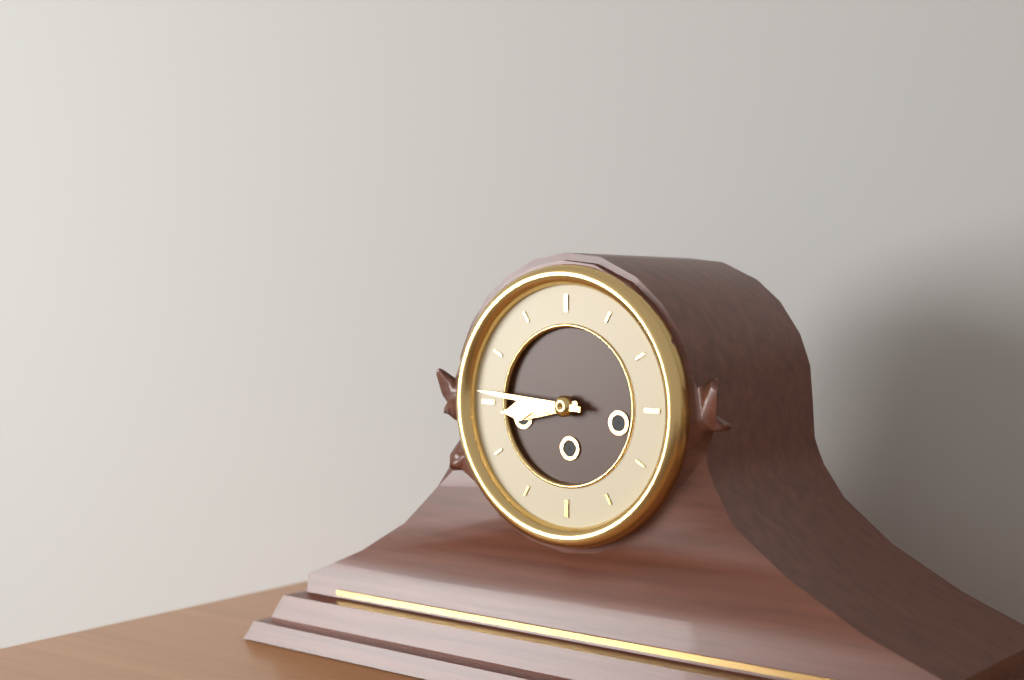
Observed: 8h46
